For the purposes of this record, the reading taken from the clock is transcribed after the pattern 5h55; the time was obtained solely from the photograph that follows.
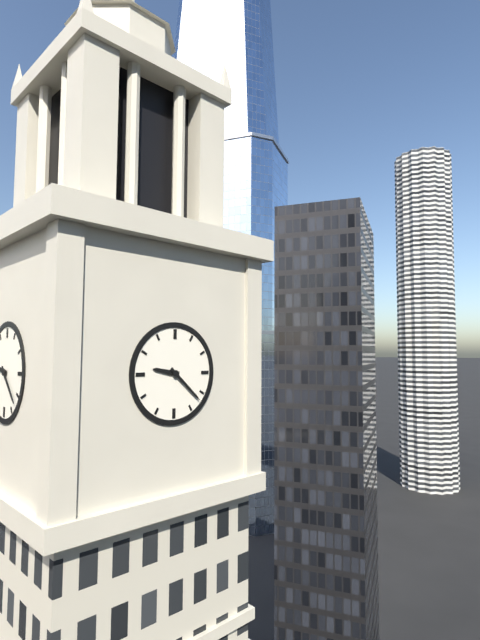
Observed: 9h22
